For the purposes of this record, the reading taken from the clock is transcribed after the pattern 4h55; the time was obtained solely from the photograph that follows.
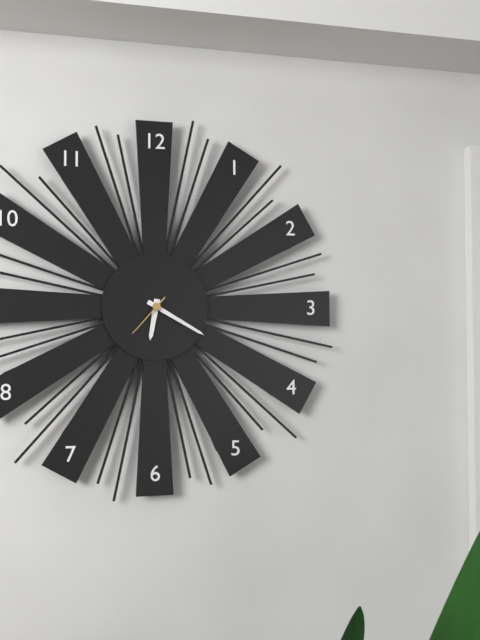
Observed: 6h20
